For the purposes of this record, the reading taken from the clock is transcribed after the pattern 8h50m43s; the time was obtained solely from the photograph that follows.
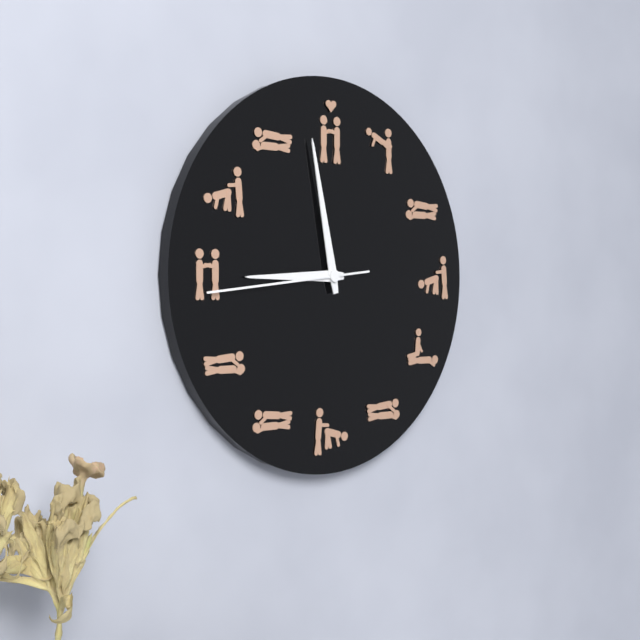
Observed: 8h58m44s
